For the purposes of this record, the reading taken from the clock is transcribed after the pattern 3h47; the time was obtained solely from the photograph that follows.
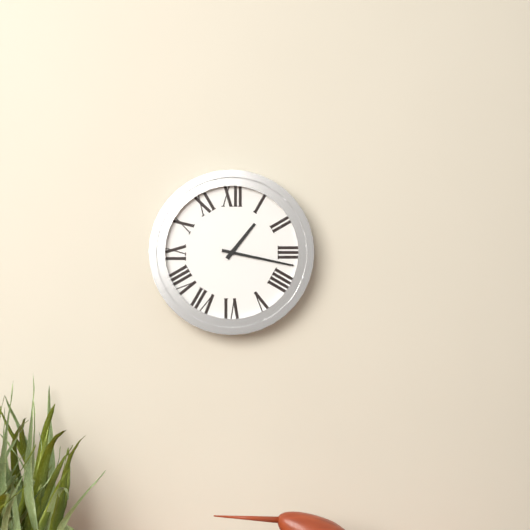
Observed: 1h17
